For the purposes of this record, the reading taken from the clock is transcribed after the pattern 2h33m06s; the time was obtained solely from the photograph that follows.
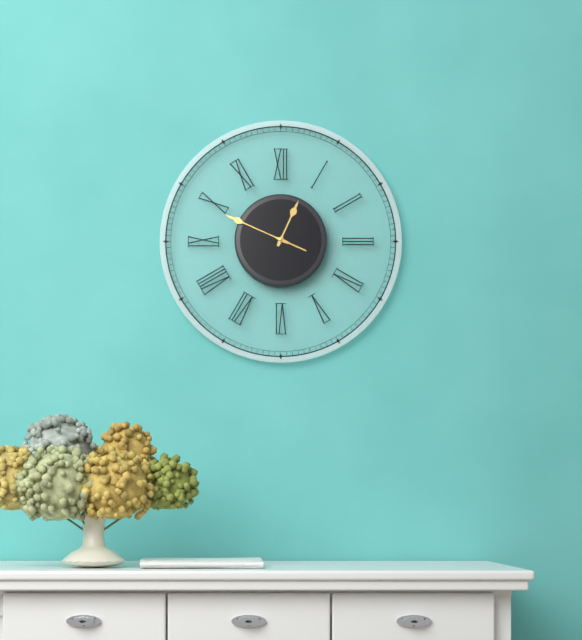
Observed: 12h49m49s
